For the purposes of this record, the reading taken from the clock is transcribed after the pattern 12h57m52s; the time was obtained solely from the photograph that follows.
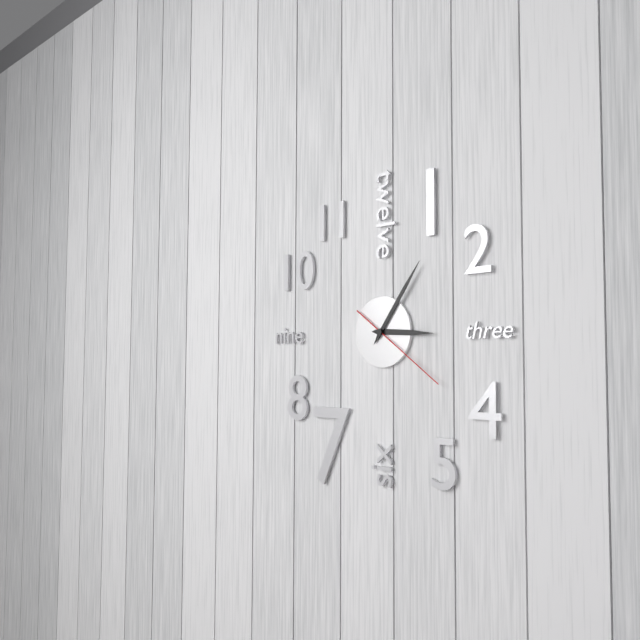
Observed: 3h06m21s
